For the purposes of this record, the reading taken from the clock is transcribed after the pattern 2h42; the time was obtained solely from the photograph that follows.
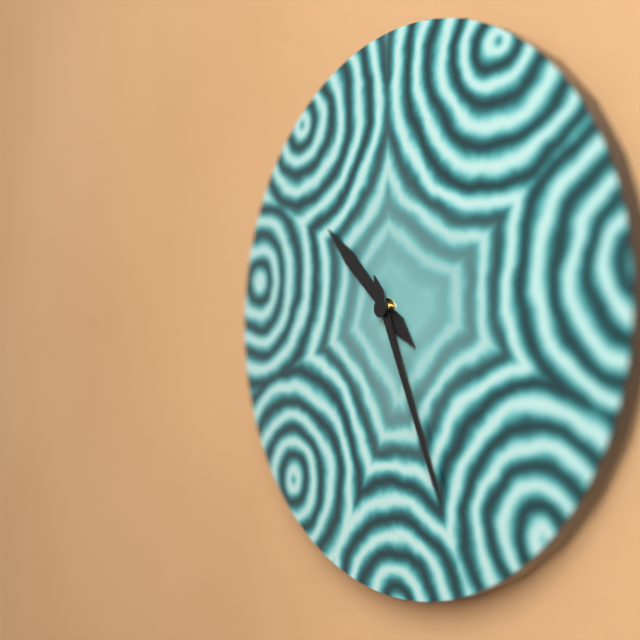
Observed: 10h26
